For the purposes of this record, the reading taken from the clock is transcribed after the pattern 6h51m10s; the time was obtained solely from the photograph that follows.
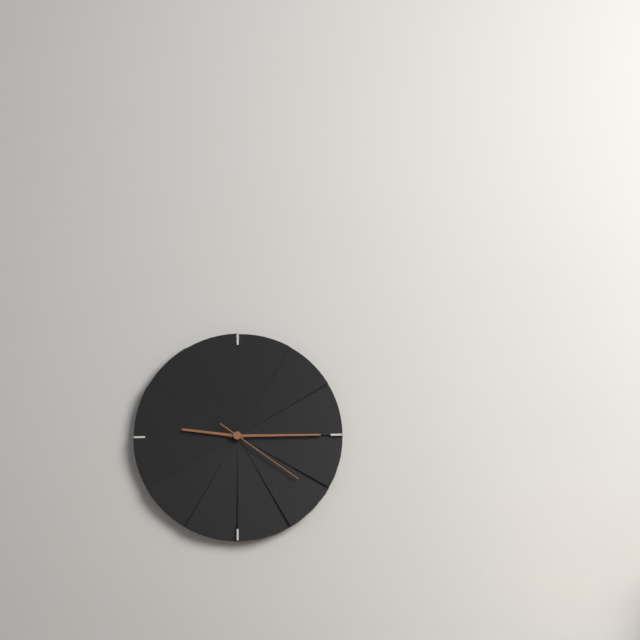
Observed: 9h15m21s
